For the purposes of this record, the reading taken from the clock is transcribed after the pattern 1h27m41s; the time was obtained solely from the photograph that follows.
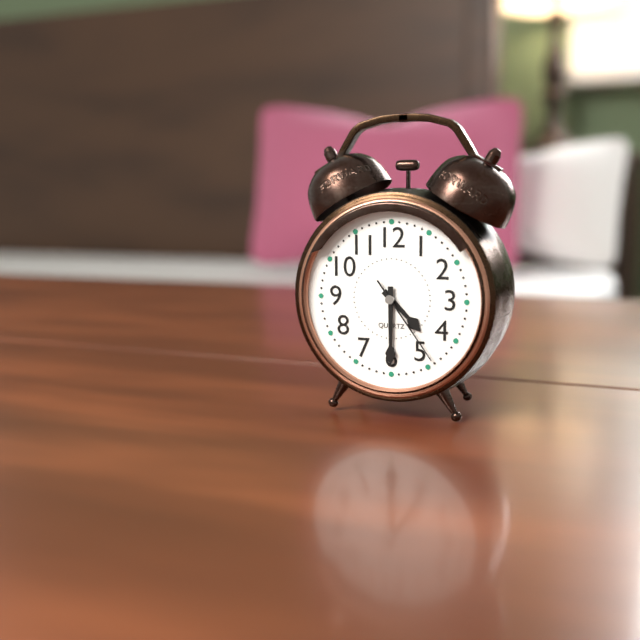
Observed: 4h30m24s
